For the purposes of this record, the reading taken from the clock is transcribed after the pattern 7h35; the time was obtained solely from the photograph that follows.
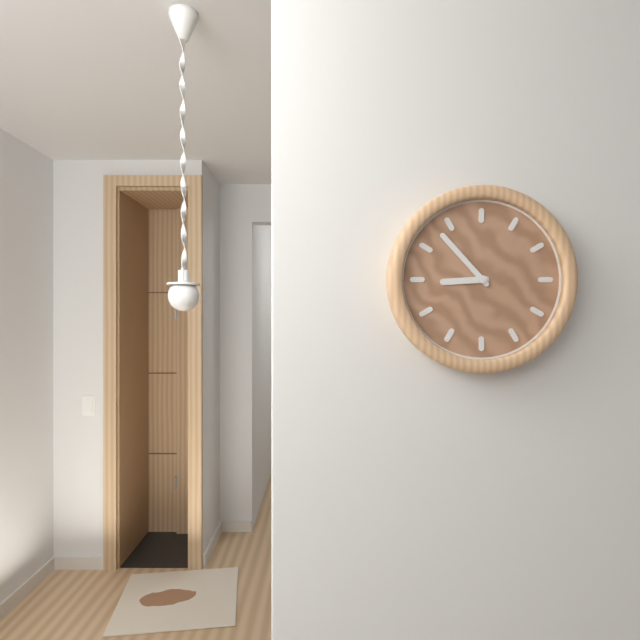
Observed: 8h53
